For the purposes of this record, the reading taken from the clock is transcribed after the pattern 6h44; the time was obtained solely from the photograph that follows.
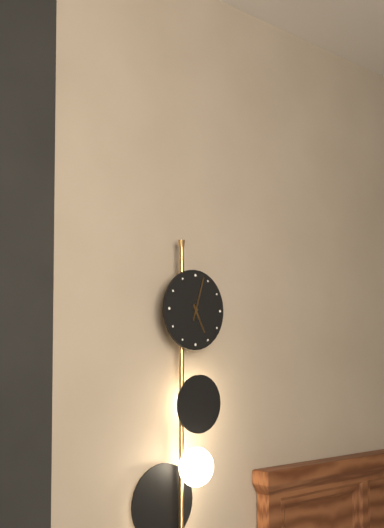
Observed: 5h03
